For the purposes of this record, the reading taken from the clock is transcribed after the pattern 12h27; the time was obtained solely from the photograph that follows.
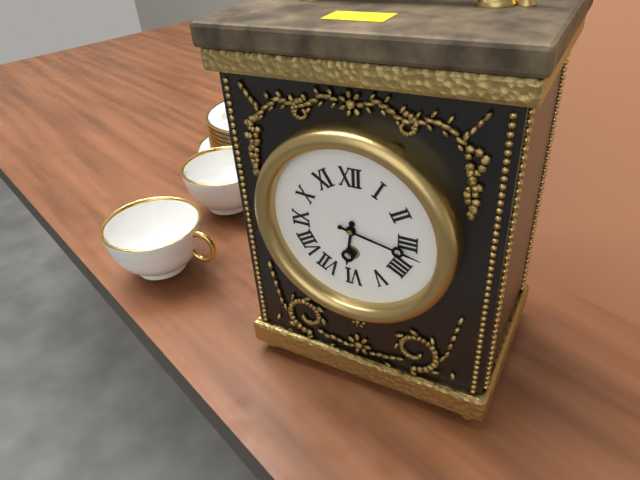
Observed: 6h17
